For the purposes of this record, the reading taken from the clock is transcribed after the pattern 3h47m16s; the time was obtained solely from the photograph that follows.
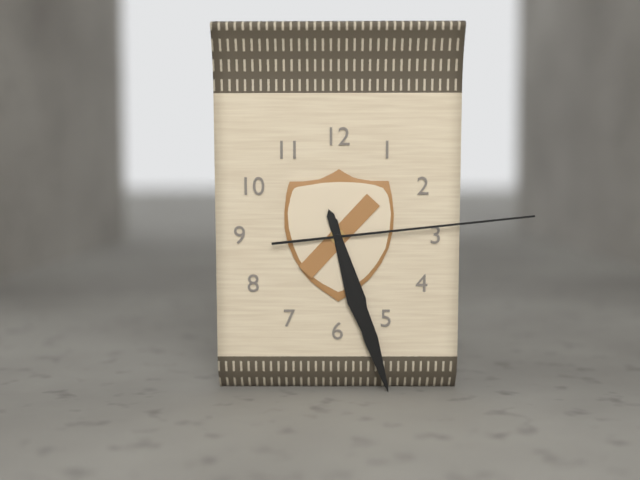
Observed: 5h27m14s
